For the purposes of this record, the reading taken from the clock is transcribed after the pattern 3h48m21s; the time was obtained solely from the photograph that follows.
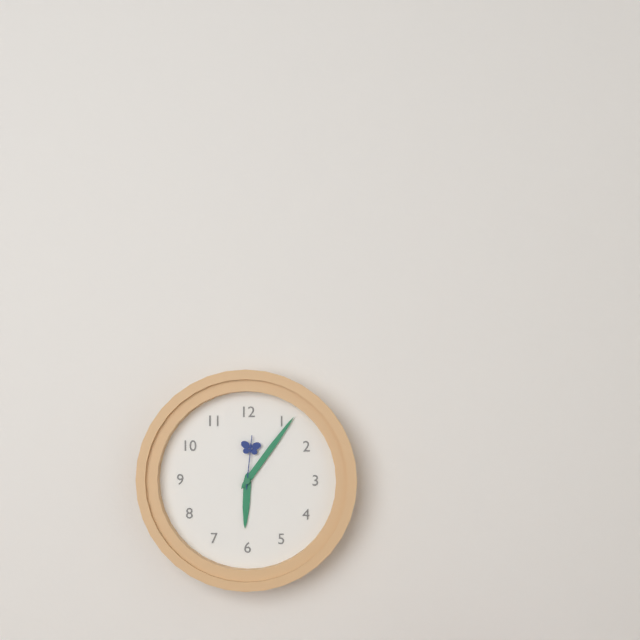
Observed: 6h06m01s
